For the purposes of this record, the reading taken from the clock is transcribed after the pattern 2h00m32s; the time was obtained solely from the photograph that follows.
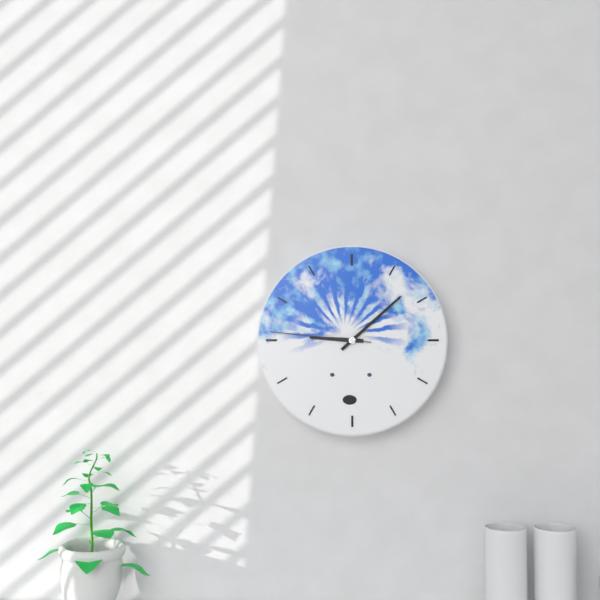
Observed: 9h08m46s
